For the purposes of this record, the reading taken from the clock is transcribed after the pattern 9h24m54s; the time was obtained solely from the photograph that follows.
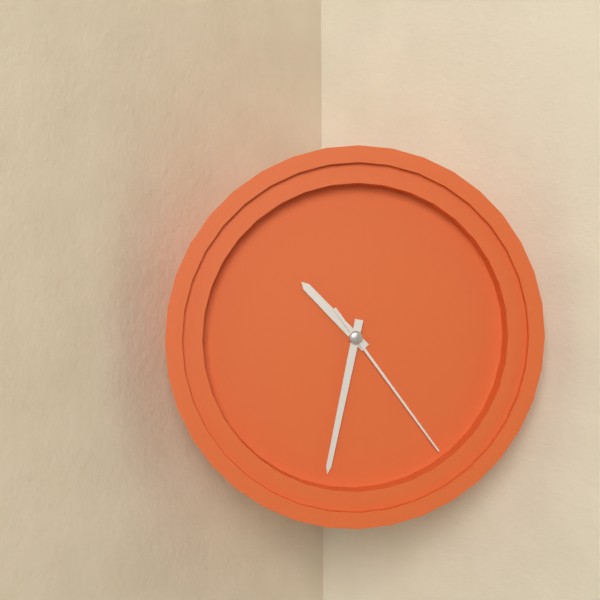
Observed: 10h32m24s
